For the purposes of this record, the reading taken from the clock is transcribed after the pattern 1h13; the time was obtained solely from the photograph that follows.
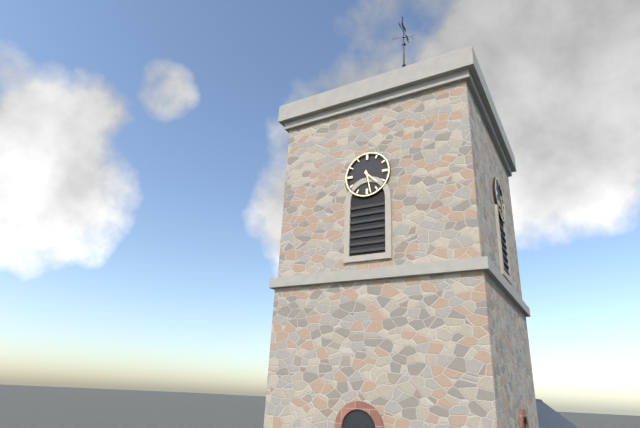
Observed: 4h28
